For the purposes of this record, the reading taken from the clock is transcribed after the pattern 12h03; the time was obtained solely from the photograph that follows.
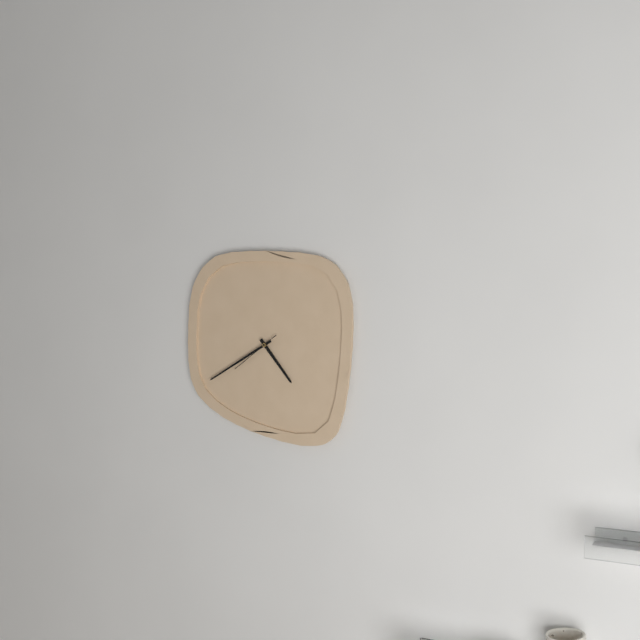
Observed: 4h40
